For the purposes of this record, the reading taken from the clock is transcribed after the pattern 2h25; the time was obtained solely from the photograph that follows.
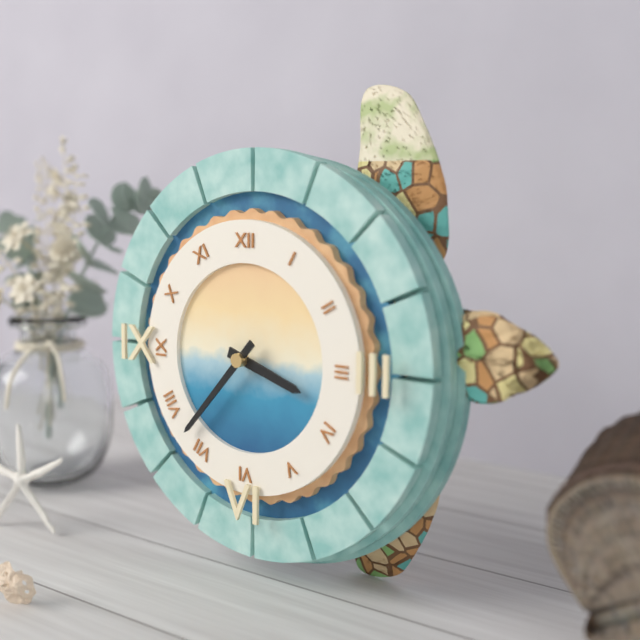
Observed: 3h37
